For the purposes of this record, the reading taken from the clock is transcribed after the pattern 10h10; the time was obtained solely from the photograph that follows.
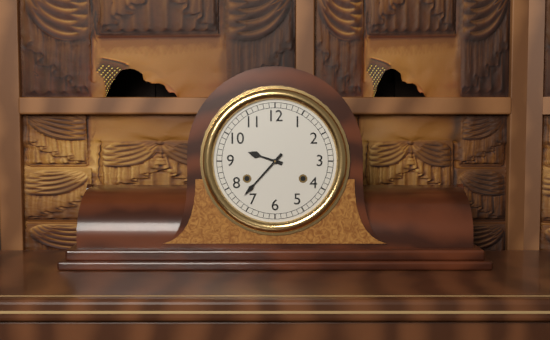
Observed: 9h37
